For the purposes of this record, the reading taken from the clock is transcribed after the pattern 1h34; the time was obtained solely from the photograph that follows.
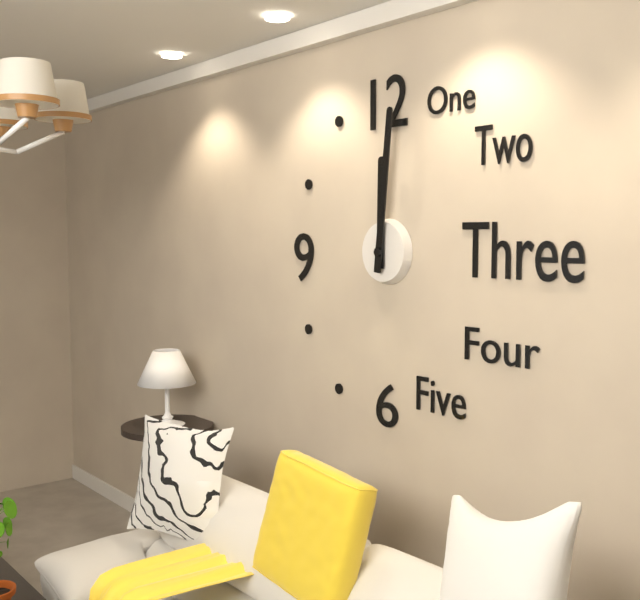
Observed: 12h01
